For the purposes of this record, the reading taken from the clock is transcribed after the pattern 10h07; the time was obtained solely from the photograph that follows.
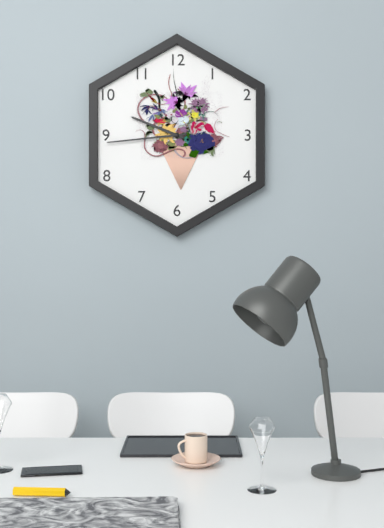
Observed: 9h44
